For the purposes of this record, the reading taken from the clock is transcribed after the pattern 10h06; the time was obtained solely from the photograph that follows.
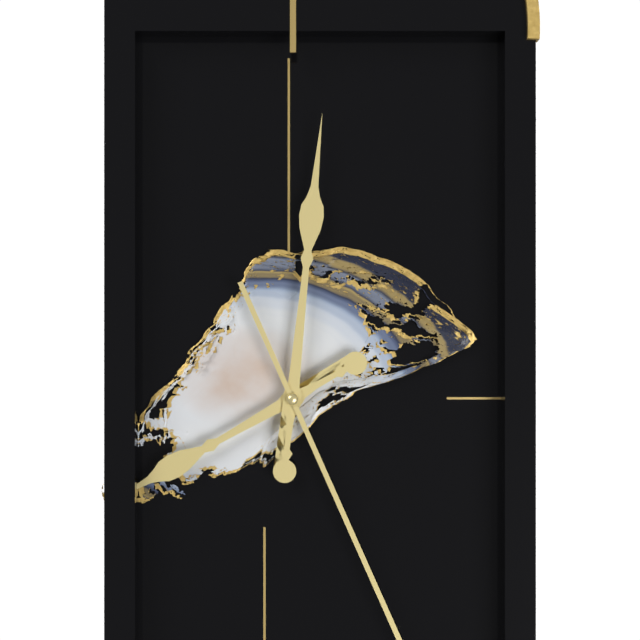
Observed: 8h01
